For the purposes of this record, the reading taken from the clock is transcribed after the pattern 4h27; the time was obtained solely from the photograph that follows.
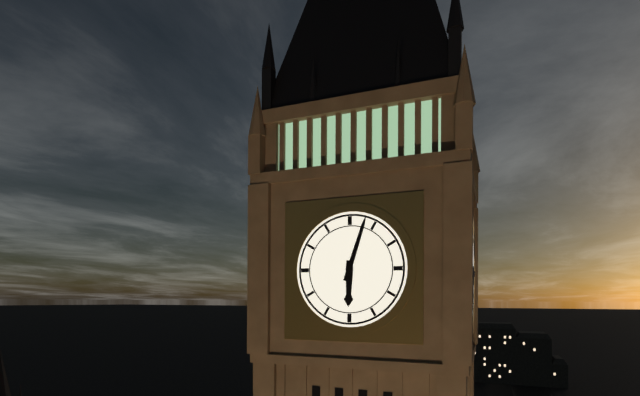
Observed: 6h03
